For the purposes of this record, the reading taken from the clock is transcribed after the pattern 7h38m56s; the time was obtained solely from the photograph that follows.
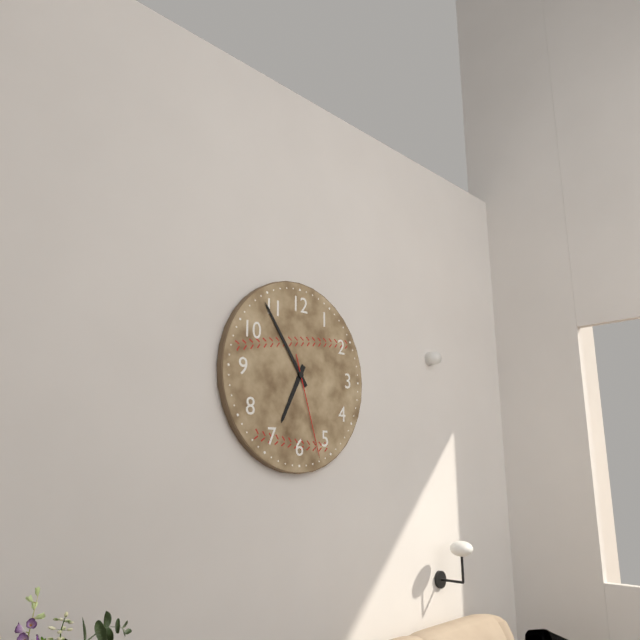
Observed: 6h54m27s
